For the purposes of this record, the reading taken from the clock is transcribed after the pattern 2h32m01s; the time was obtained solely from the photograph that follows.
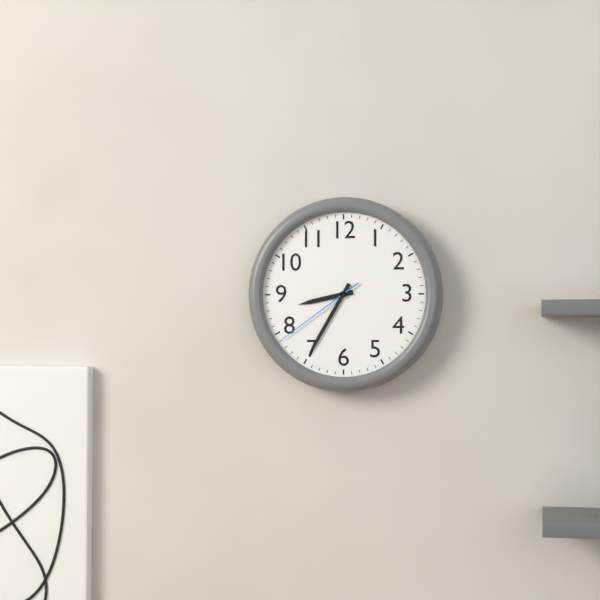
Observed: 8h35m39s
